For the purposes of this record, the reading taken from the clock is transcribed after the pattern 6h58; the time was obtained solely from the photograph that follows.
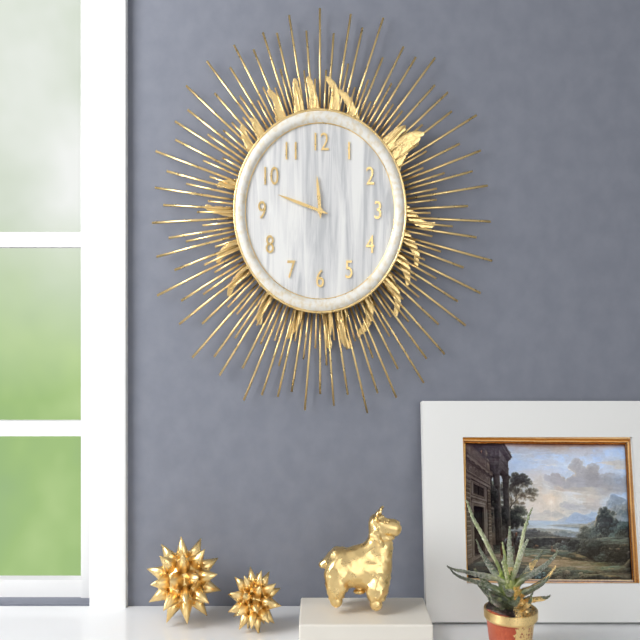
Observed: 11h48
